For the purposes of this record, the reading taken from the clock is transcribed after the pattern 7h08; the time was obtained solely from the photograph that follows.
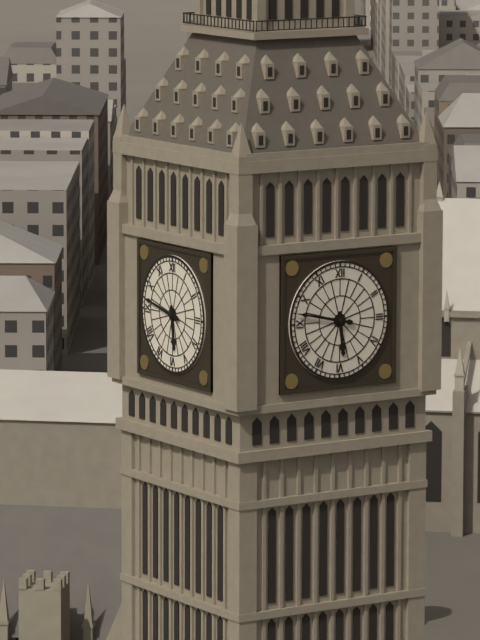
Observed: 5h47
